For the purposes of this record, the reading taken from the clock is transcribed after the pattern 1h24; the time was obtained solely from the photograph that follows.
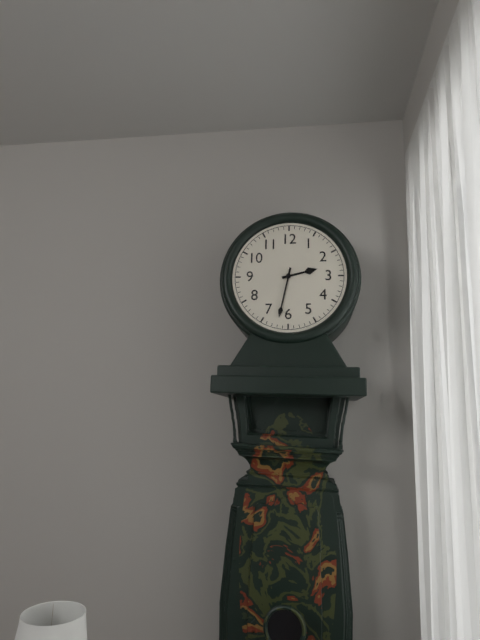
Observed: 2h32
